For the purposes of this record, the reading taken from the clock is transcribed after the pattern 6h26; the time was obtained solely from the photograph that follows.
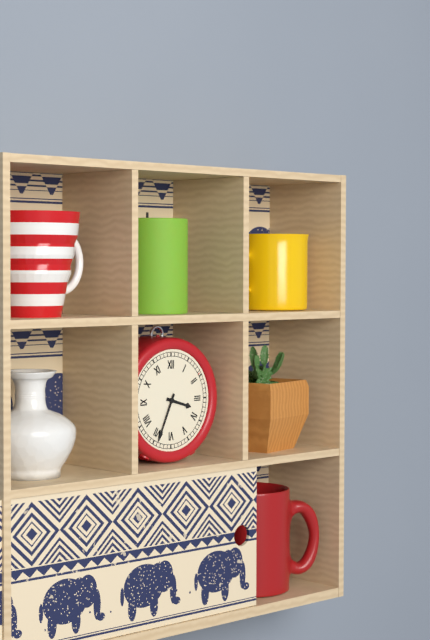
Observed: 3h34
